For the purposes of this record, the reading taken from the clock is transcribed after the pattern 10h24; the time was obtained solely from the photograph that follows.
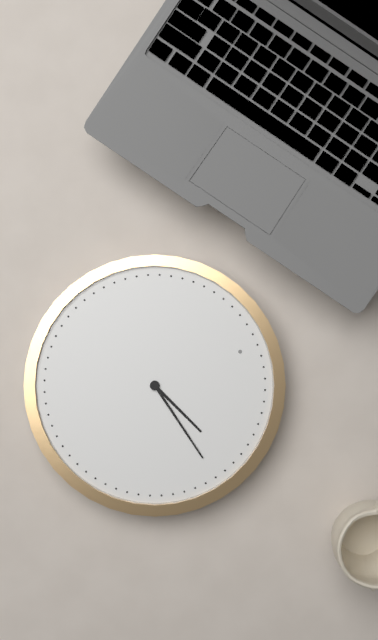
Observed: 2h13
